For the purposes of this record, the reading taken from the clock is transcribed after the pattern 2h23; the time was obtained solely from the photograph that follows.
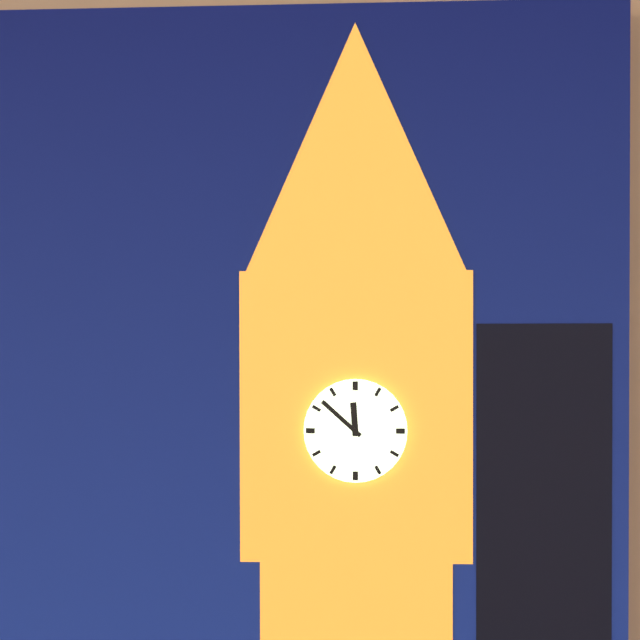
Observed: 11h52
